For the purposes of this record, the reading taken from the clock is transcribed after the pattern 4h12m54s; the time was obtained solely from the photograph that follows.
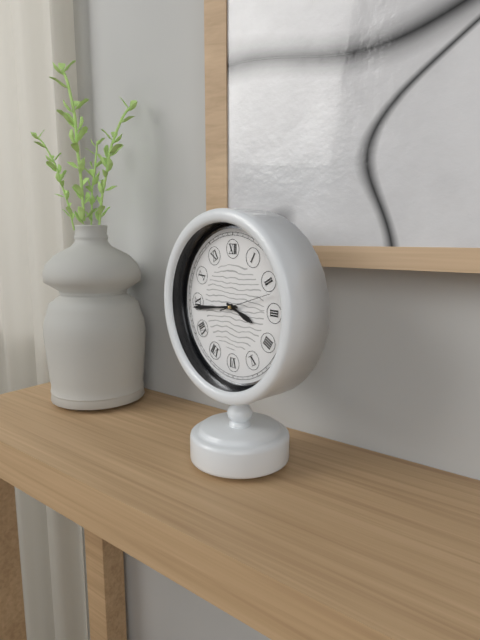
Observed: 3h44m12s
